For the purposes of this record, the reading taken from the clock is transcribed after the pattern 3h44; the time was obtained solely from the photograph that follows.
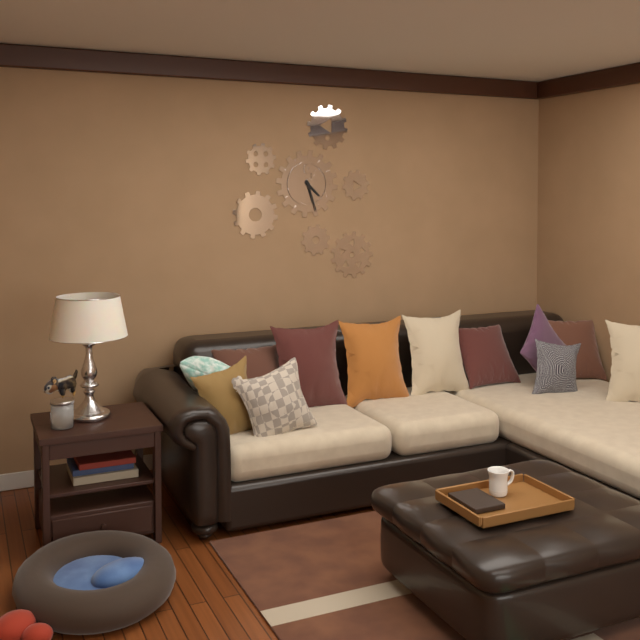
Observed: 4h27
